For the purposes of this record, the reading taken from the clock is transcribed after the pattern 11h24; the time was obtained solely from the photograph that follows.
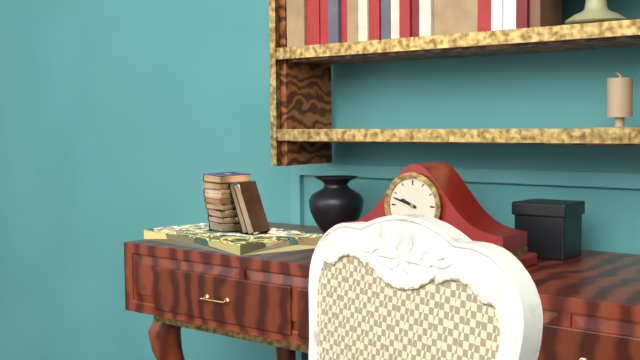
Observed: 9h48
